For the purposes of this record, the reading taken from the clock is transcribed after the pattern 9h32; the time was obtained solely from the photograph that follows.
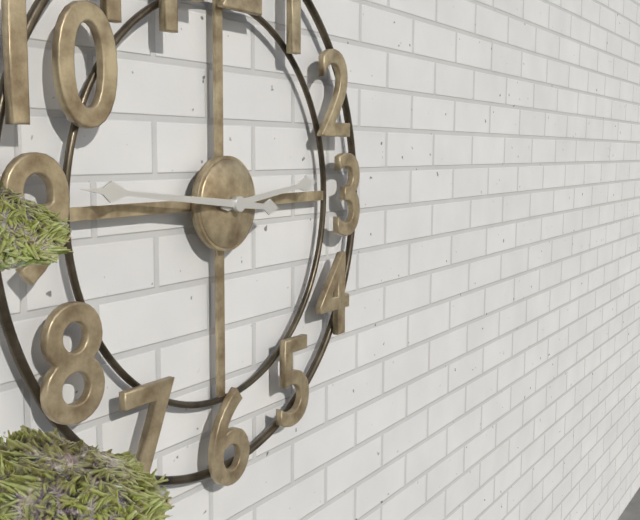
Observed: 2h46
